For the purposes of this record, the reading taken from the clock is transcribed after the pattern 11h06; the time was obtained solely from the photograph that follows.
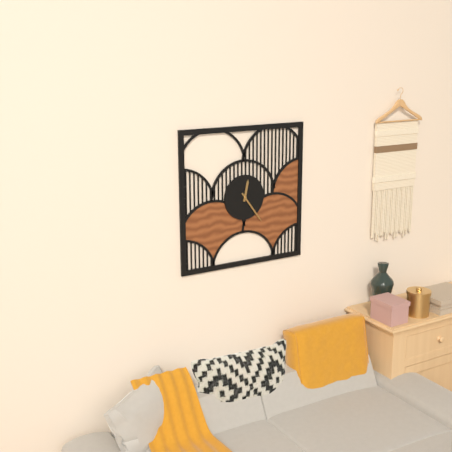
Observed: 12h24
